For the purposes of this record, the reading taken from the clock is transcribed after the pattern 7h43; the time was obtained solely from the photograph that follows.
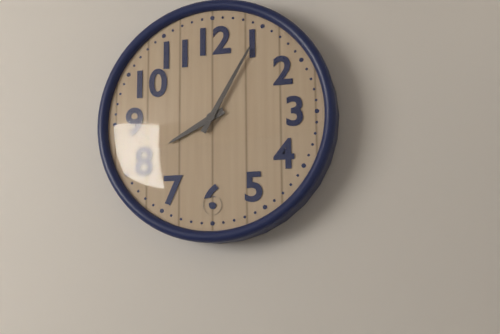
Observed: 8h05
